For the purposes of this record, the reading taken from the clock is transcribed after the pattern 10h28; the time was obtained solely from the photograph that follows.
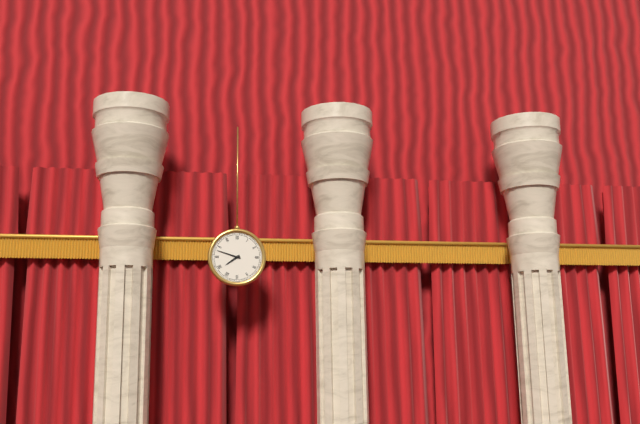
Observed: 7h48
